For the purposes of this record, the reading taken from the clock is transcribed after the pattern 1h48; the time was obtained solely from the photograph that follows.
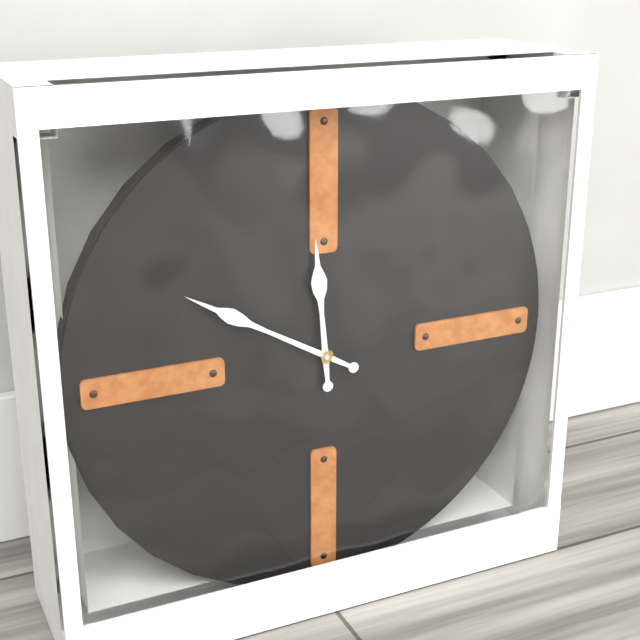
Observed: 11h50
